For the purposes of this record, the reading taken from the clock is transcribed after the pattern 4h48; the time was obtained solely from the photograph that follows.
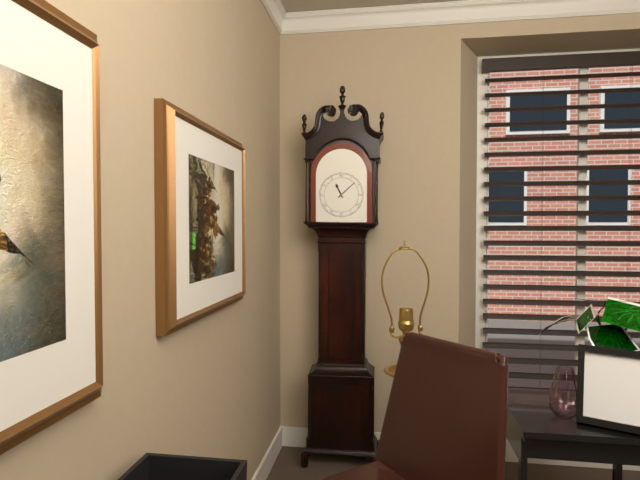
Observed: 11h08
